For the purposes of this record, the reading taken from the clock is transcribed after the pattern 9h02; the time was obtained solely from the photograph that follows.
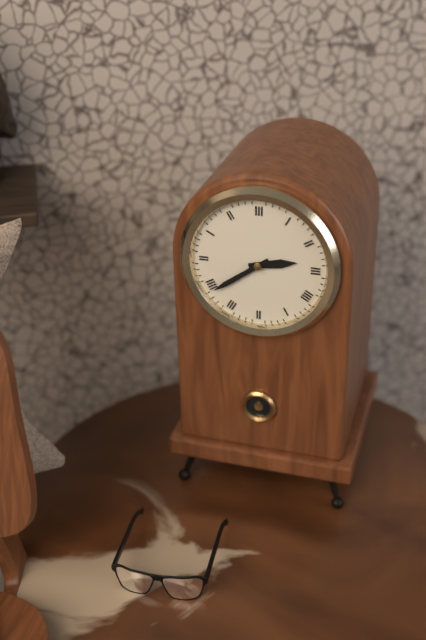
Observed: 2h39
